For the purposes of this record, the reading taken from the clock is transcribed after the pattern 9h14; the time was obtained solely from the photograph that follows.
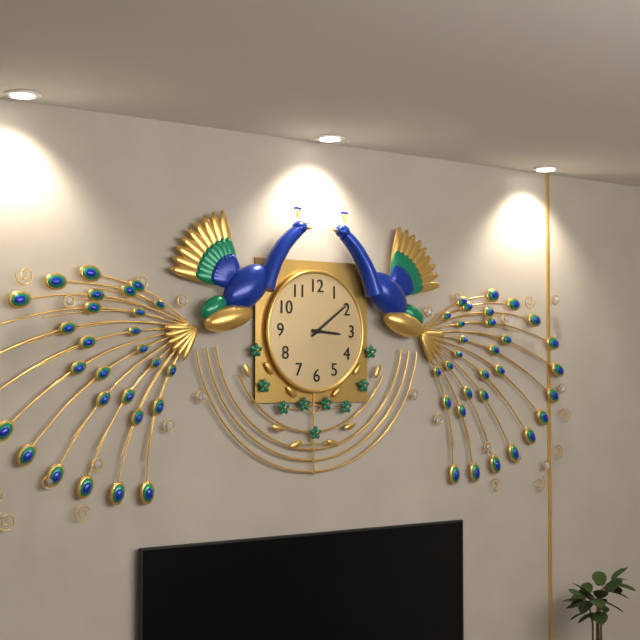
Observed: 3h09
